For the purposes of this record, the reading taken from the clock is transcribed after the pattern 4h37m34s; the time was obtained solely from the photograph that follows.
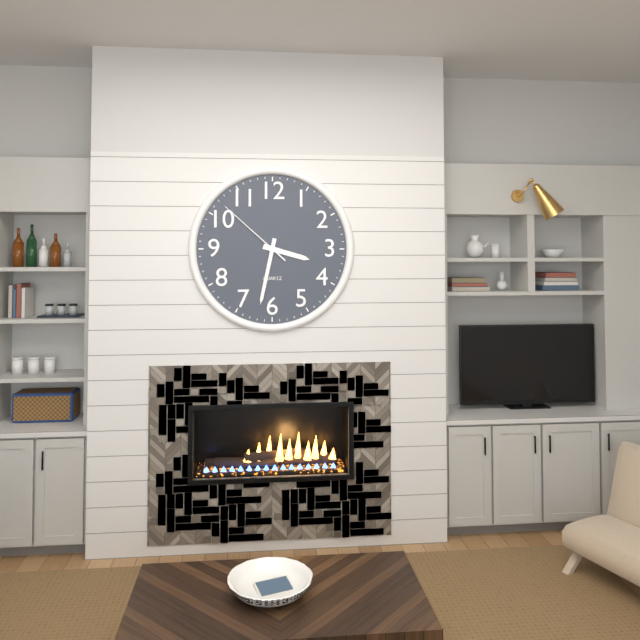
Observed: 3h32m52s
